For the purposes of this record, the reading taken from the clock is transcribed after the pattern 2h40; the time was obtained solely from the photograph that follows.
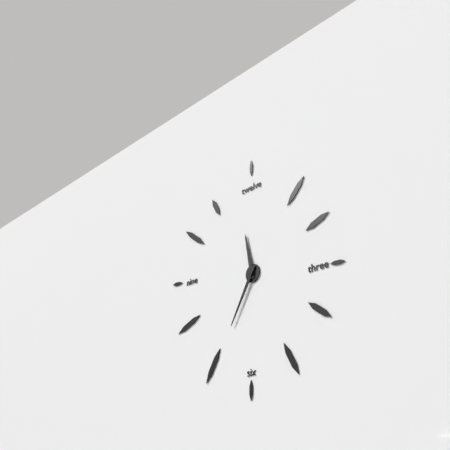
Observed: 11h35
